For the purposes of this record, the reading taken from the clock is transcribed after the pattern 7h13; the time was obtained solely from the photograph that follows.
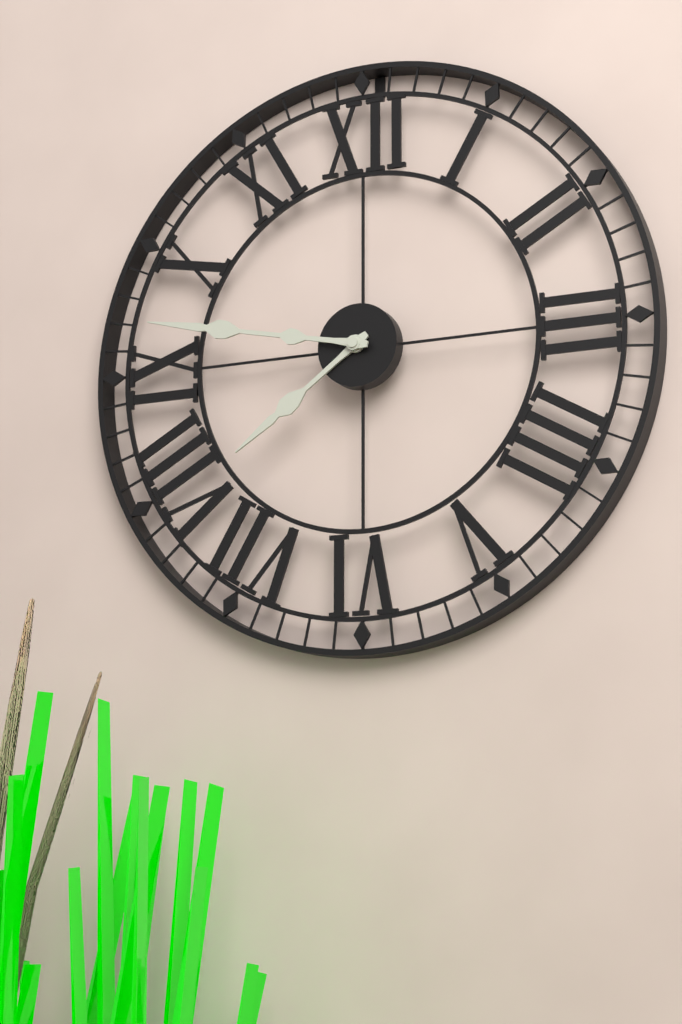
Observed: 7h47
